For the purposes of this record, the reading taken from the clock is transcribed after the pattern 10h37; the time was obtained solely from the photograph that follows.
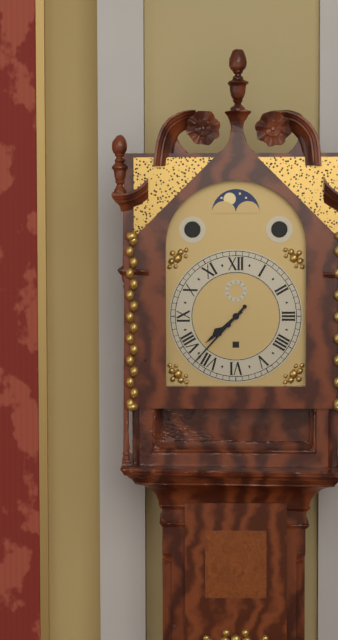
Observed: 7h37
